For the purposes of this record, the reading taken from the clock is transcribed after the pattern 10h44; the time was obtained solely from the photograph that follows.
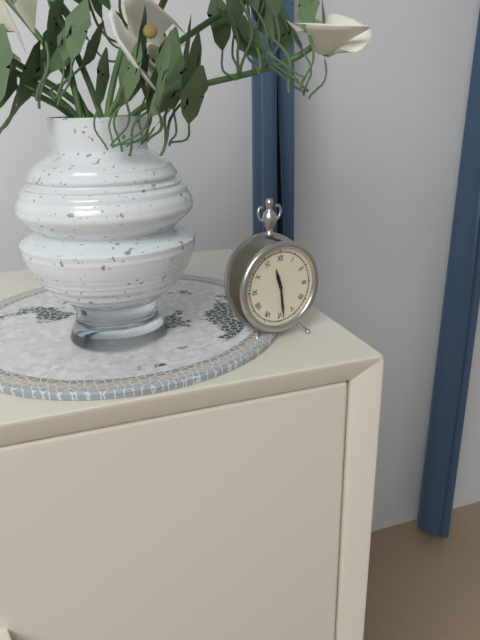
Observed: 11h29
